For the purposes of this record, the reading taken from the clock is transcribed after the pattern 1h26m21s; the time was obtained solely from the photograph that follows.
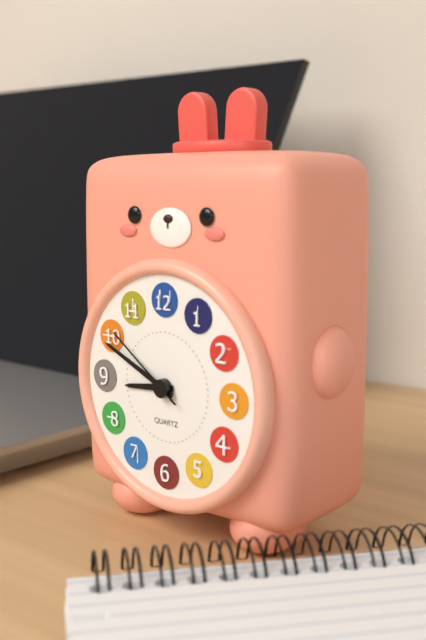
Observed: 8h49m51s
